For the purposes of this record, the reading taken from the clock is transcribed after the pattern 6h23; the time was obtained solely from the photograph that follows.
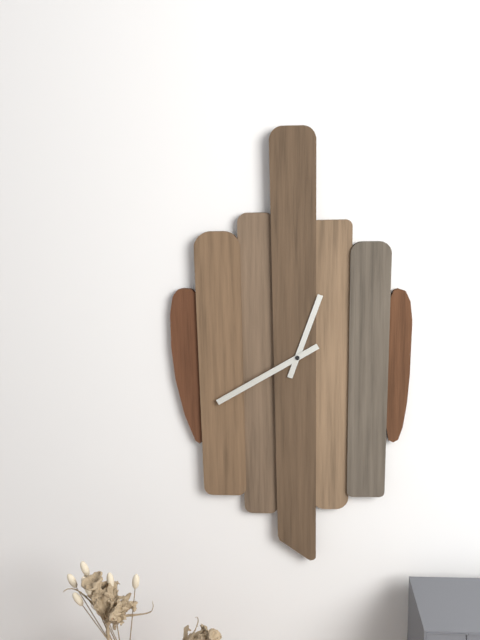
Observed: 12h40
